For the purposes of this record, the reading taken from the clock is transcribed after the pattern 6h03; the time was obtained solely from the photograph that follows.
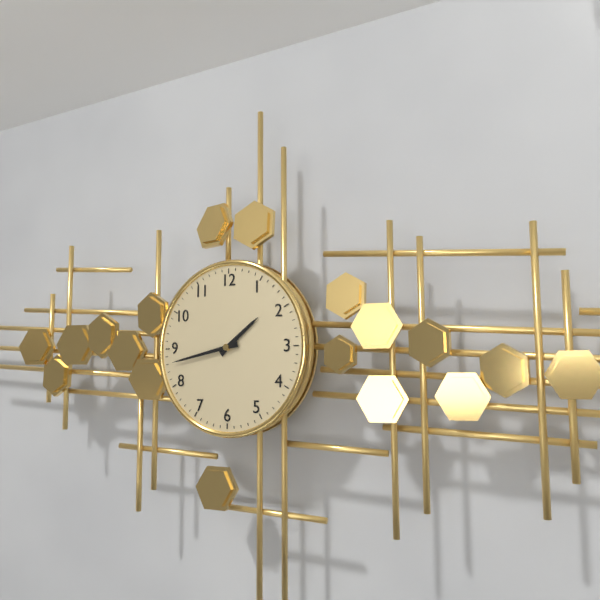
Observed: 1h43
